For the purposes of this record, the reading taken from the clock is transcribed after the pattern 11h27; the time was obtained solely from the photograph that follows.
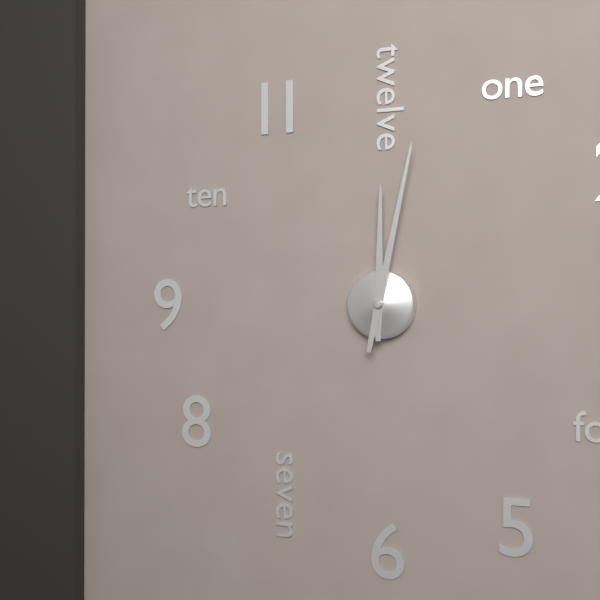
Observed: 12h02
